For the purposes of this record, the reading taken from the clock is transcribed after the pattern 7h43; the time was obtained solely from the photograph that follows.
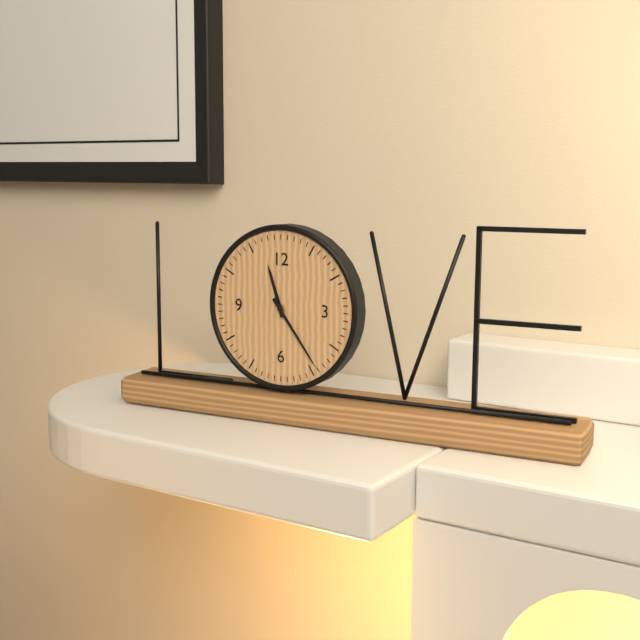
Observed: 11h24
